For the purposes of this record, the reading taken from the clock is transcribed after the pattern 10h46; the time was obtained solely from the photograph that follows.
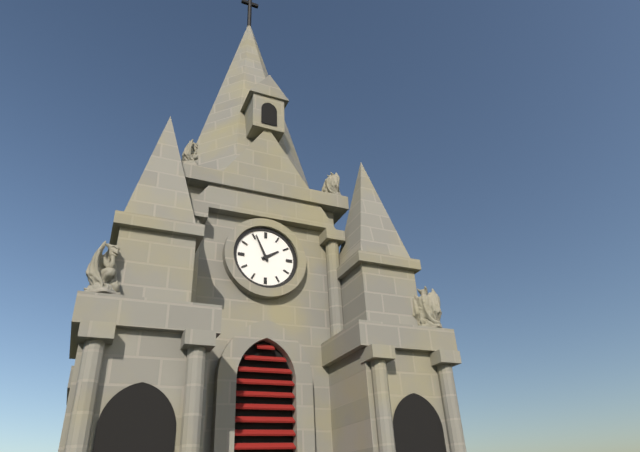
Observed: 1h56
